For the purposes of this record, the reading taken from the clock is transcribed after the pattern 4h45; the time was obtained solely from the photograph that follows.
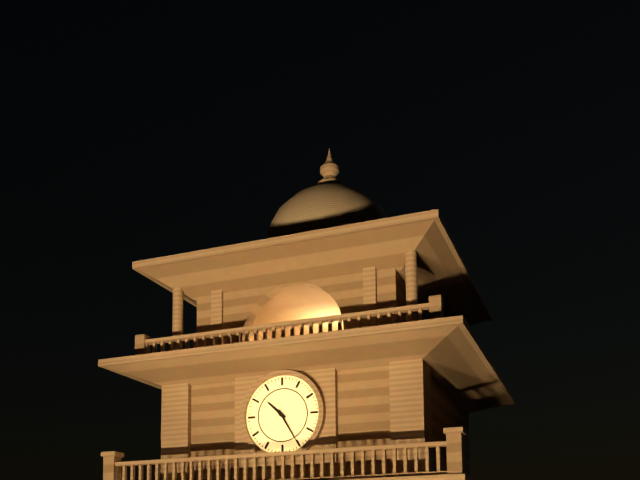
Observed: 10h25
